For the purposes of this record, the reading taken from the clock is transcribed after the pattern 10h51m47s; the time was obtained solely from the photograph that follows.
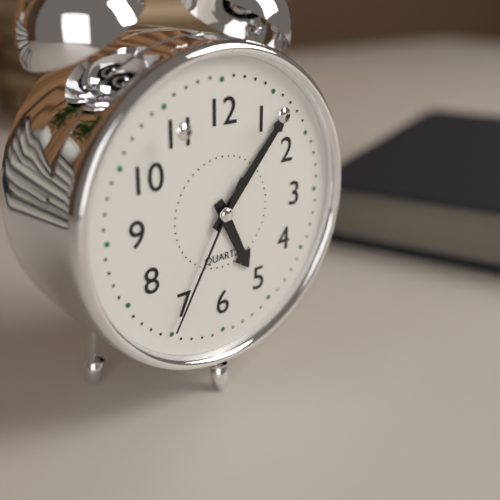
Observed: 5h07m35s
